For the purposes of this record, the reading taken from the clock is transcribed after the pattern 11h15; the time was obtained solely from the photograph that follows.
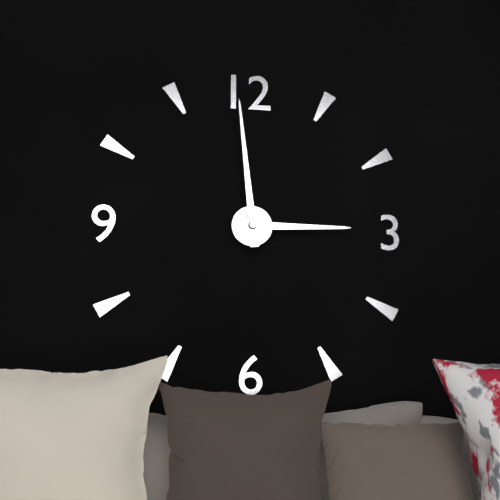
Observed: 2h59
